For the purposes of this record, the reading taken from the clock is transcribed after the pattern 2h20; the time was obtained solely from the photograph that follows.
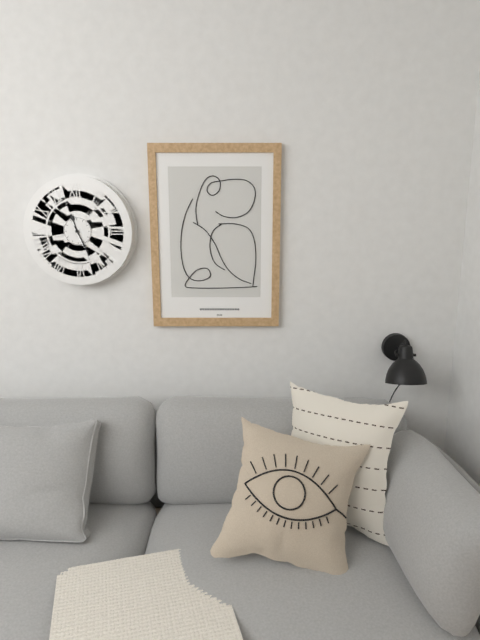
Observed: 11h26
